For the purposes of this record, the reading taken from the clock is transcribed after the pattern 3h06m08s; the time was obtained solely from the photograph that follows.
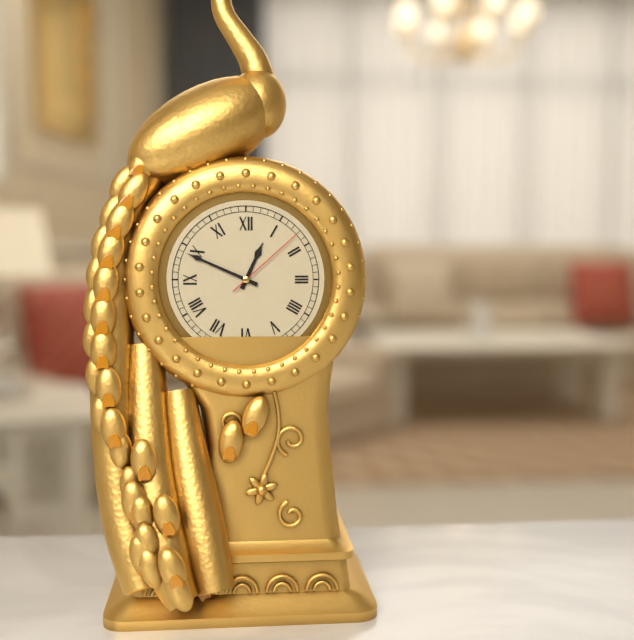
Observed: 12h49m08s
